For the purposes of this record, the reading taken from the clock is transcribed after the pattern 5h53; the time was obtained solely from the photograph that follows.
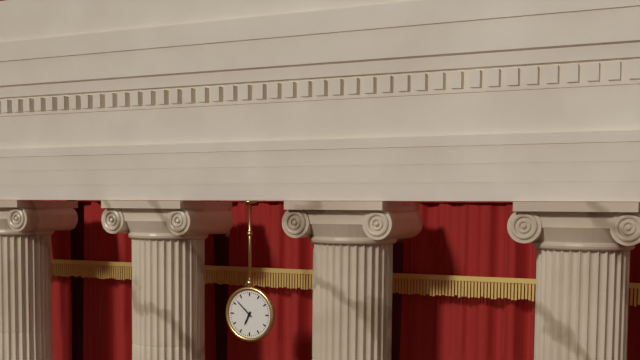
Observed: 6h52
